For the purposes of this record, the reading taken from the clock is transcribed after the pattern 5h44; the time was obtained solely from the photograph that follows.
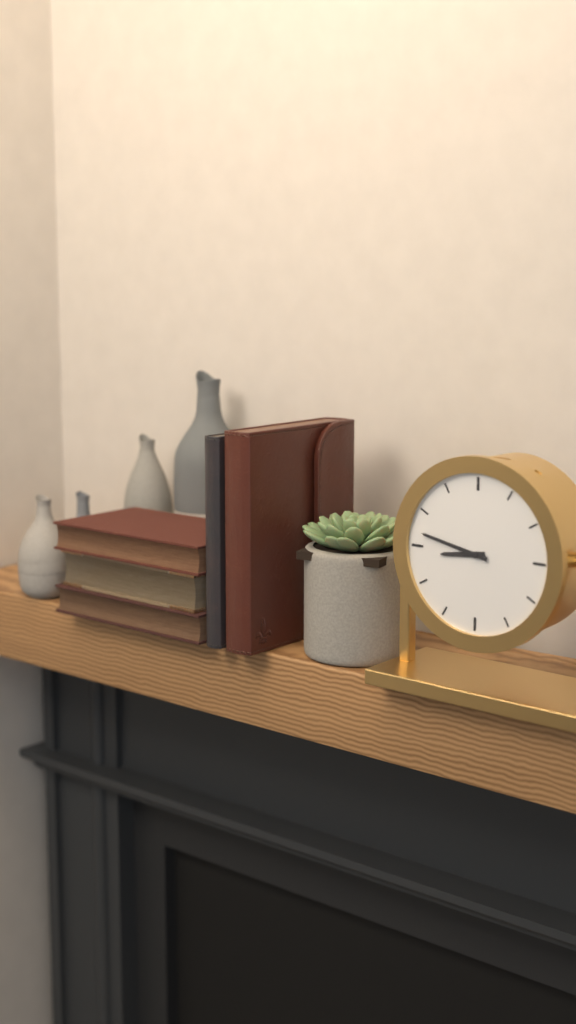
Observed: 8h47
